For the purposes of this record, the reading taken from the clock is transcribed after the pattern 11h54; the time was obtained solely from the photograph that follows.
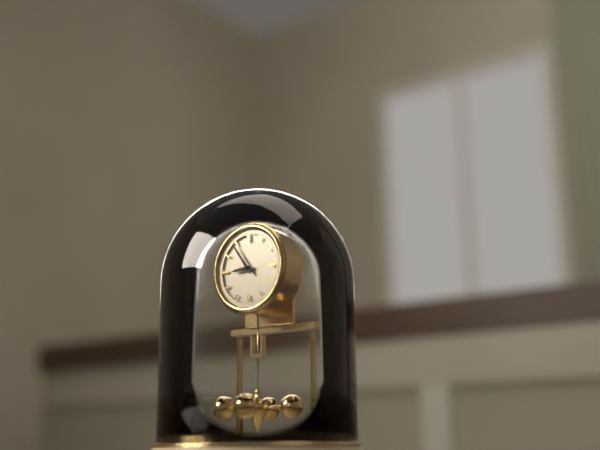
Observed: 8h54
